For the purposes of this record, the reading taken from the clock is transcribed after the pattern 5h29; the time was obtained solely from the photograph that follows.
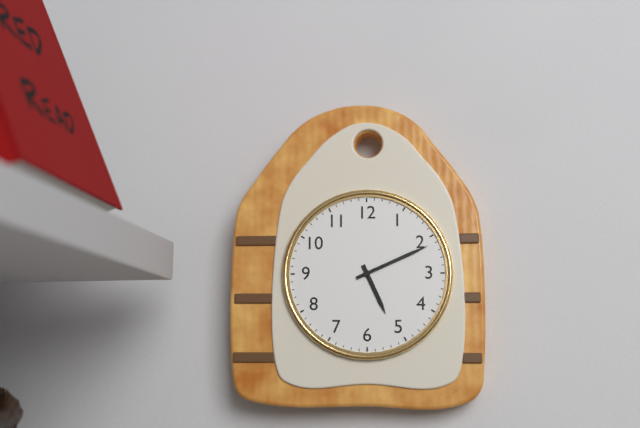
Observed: 5h11
